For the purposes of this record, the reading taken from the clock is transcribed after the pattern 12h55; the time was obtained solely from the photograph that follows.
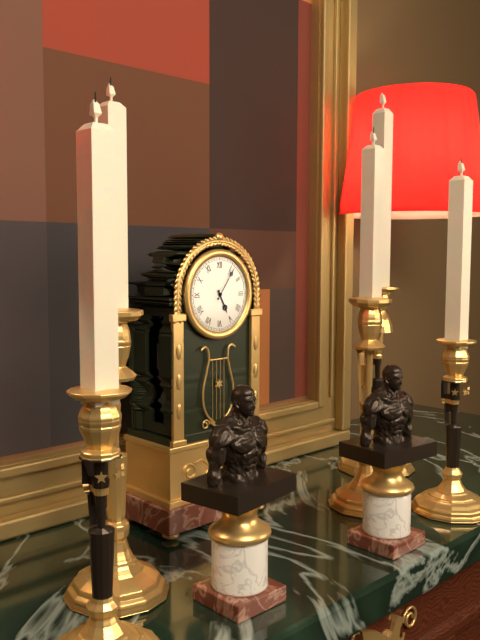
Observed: 5h06
